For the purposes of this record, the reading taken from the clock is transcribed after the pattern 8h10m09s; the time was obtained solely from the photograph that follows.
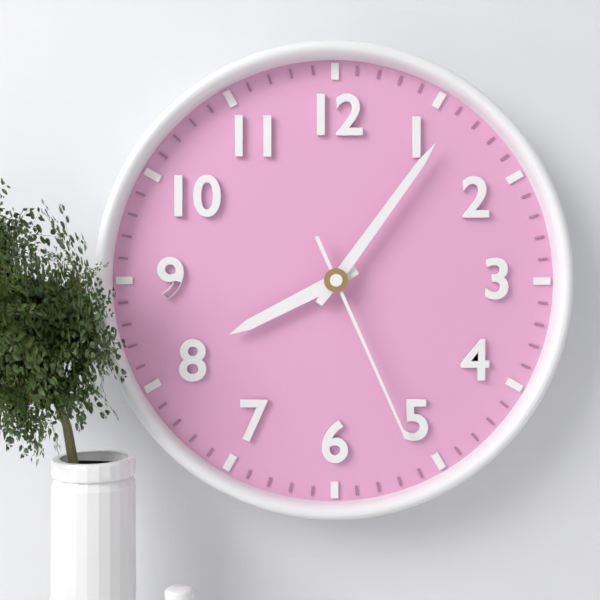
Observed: 8h06m26s
